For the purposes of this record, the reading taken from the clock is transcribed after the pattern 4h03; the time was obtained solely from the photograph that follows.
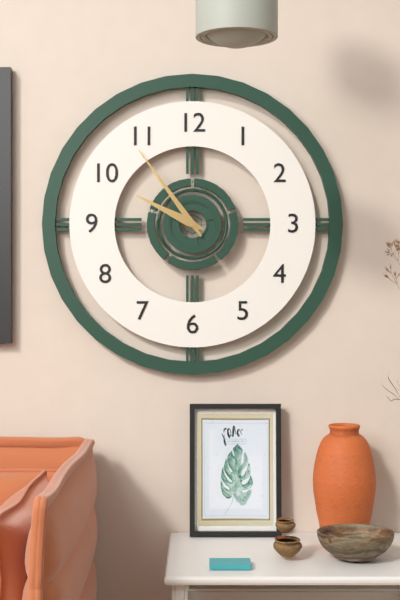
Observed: 9h54
